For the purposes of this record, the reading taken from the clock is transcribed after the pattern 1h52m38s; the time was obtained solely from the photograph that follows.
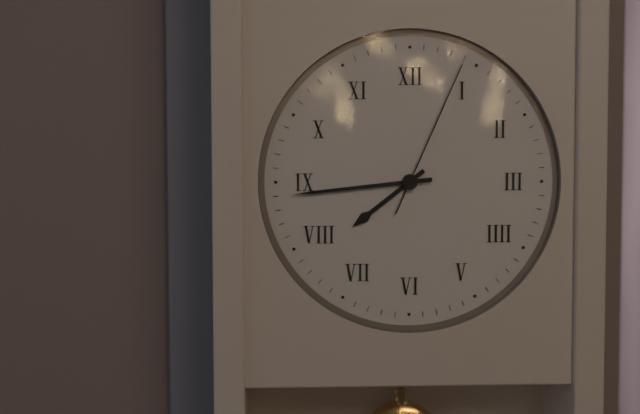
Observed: 7h44m04s
